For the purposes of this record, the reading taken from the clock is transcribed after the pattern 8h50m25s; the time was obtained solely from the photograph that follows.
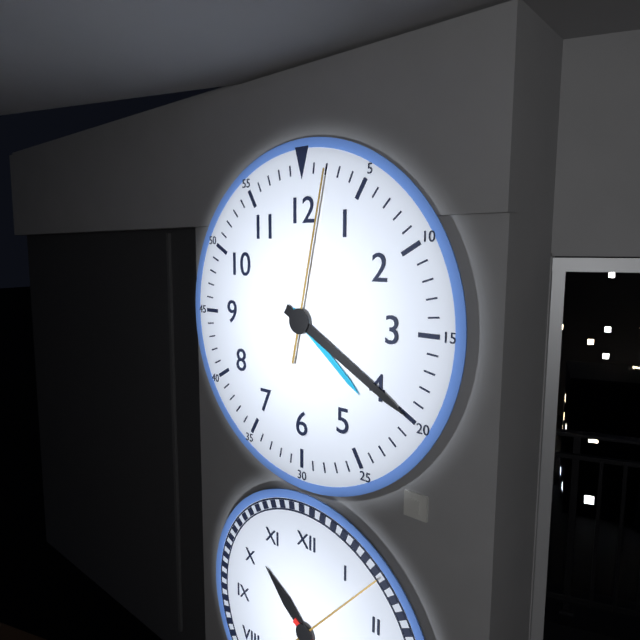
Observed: 4h20m02s
